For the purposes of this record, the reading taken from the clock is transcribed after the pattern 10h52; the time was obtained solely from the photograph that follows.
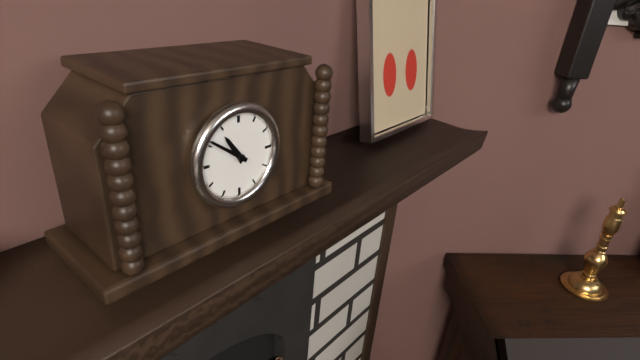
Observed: 10h51
